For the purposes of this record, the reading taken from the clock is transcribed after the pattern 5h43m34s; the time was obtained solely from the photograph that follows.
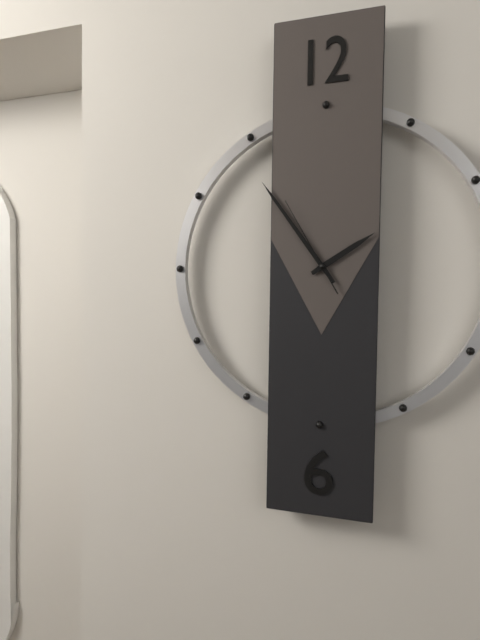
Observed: 1h54m55s
